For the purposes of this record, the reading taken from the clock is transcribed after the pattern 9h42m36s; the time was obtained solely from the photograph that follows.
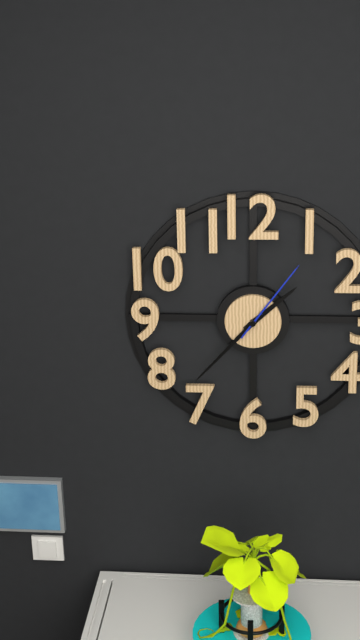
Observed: 1h37m06s
